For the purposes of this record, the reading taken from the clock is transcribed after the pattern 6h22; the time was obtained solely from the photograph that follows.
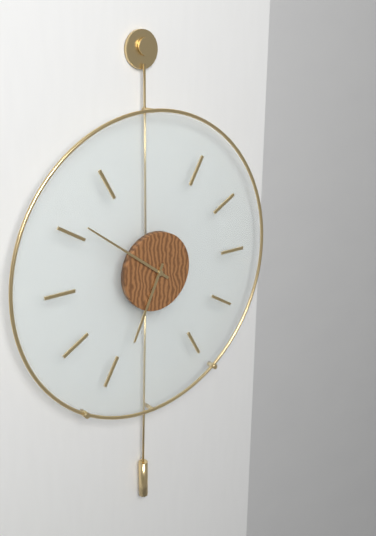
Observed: 6h51
